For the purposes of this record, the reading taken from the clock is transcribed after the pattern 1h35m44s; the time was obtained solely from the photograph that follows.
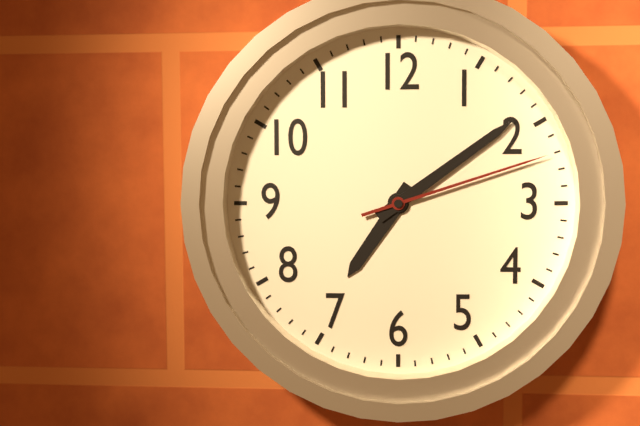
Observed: 7h09m12s
